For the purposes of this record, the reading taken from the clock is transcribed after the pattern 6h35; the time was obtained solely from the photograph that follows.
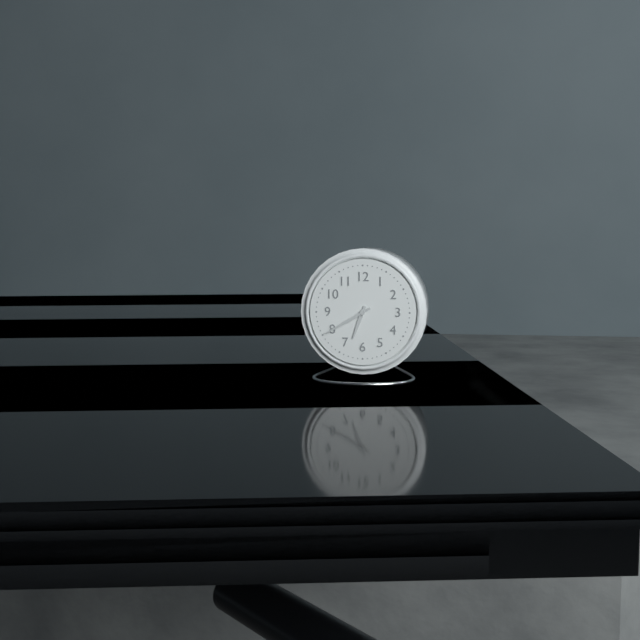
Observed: 6h40
